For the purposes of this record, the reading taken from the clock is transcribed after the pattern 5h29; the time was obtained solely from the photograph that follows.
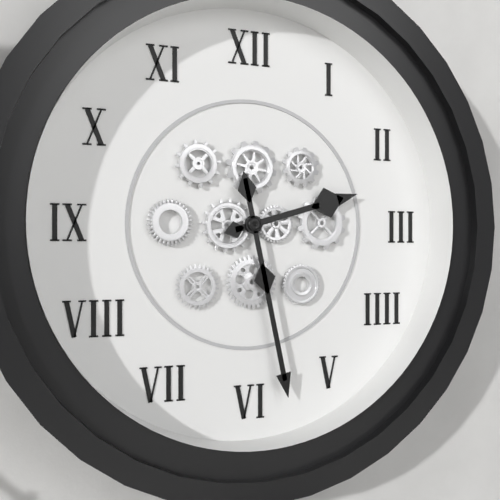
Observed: 2h28
